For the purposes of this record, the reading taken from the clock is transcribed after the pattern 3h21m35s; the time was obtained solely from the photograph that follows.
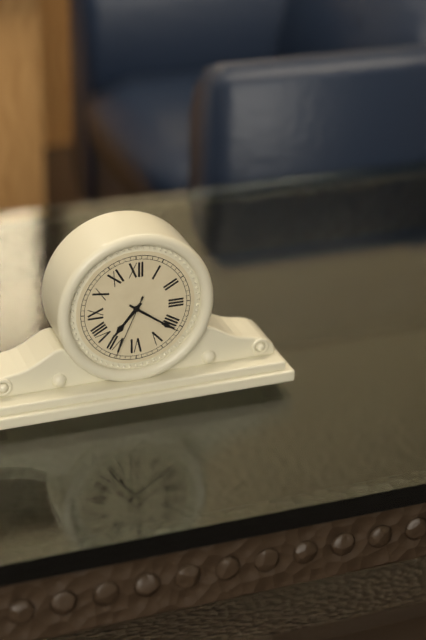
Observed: 7h21m34s
